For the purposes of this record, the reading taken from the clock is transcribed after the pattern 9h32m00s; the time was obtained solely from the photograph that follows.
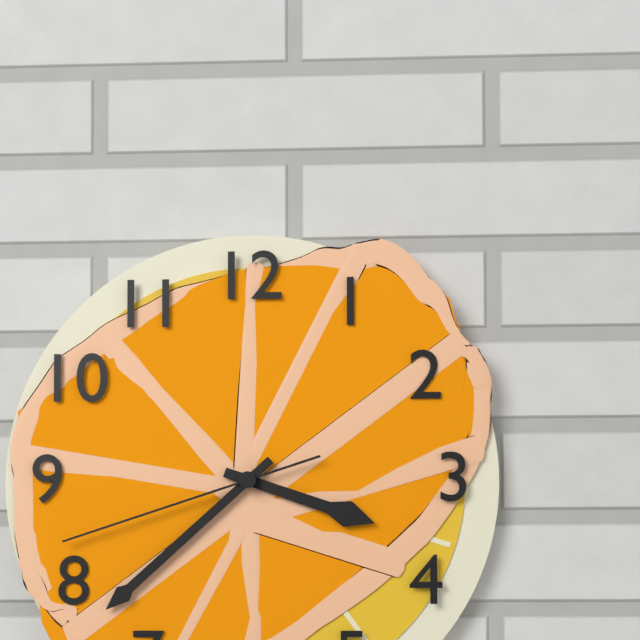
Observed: 3h38m42s
